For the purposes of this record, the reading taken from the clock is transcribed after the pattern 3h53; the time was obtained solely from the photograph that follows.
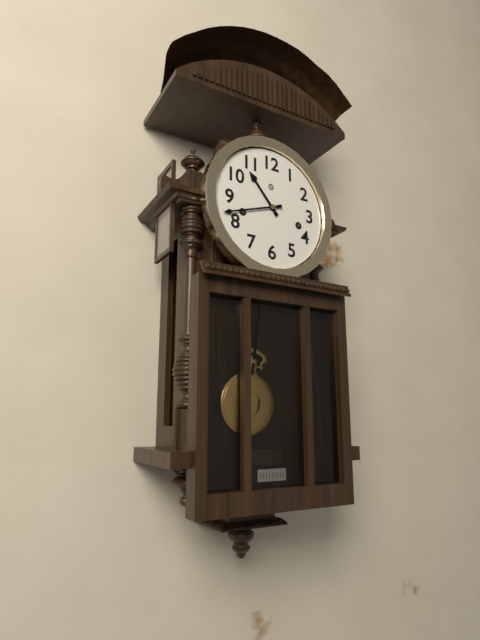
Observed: 10h42
